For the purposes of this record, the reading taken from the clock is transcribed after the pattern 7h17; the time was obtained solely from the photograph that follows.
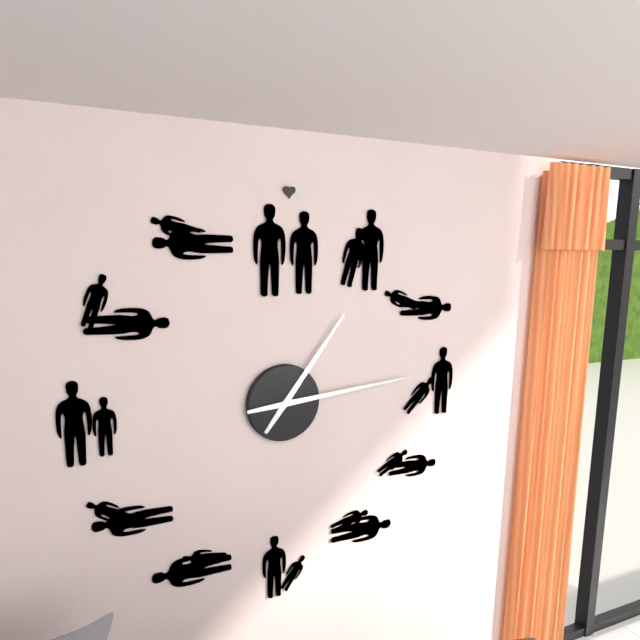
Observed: 1h14
